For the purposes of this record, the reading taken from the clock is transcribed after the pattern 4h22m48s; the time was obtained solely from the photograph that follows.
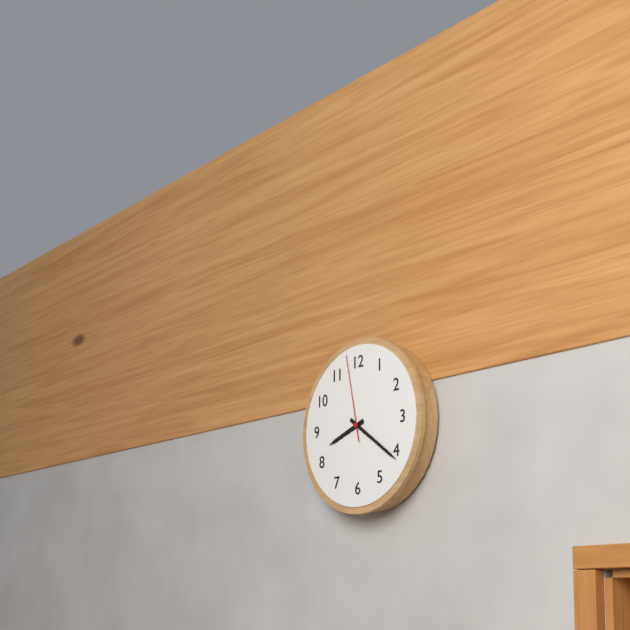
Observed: 8h21m58s
